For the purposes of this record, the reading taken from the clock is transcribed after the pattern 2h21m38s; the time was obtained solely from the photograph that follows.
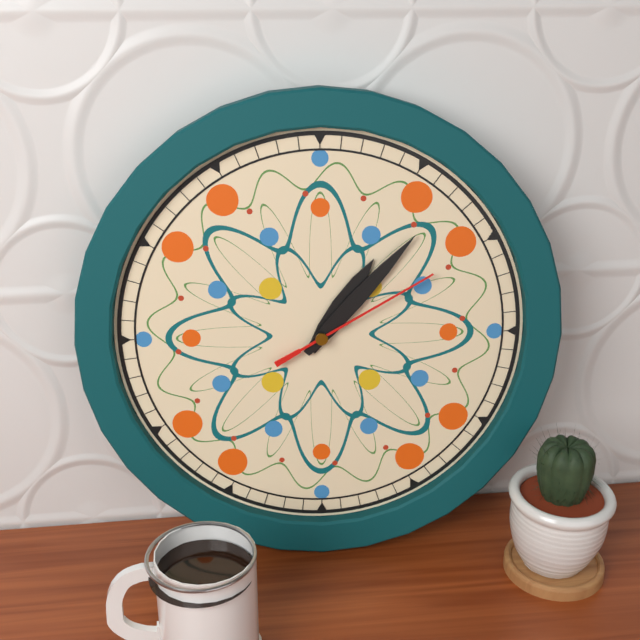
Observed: 1h07m10s
